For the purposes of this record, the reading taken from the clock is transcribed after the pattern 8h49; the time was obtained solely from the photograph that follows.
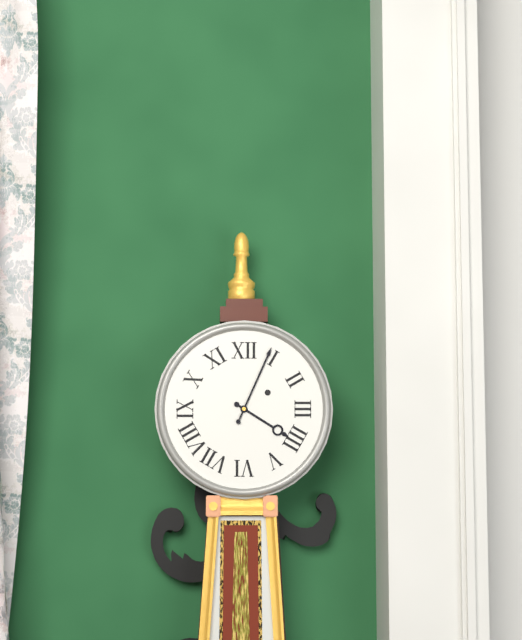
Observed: 4h04
